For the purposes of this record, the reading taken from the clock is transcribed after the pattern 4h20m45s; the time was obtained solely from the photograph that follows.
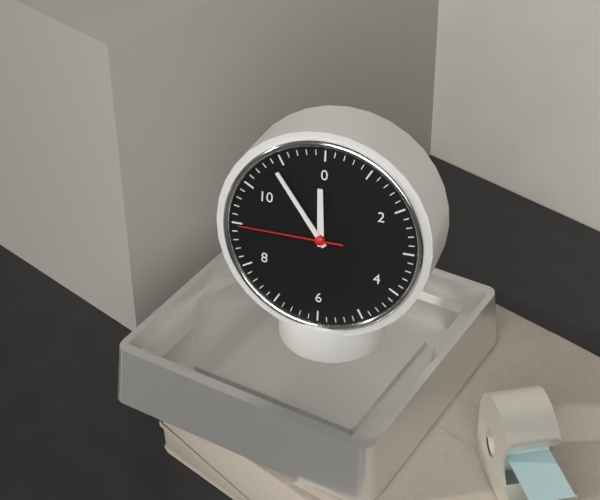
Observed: 11h54m45s
